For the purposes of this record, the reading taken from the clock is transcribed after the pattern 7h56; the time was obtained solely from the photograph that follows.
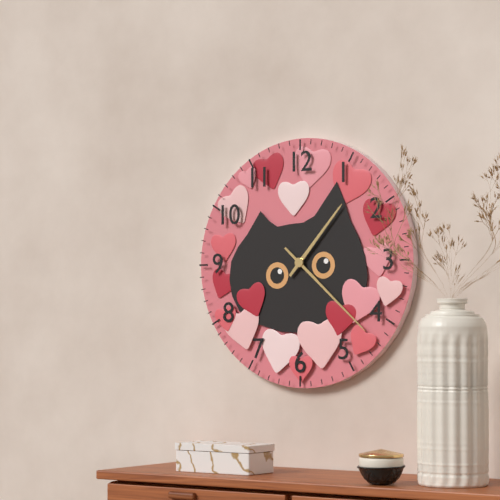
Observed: 1h22
